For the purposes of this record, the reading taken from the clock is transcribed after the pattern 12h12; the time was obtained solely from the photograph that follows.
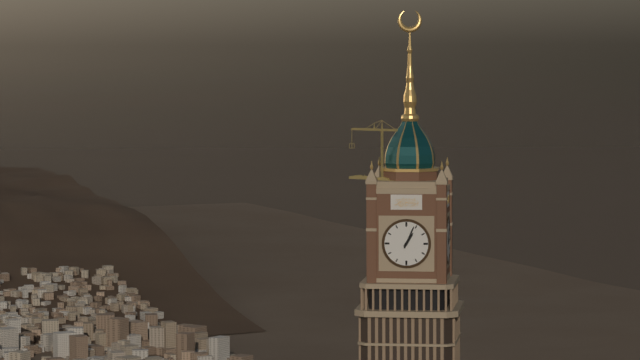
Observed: 1h04
